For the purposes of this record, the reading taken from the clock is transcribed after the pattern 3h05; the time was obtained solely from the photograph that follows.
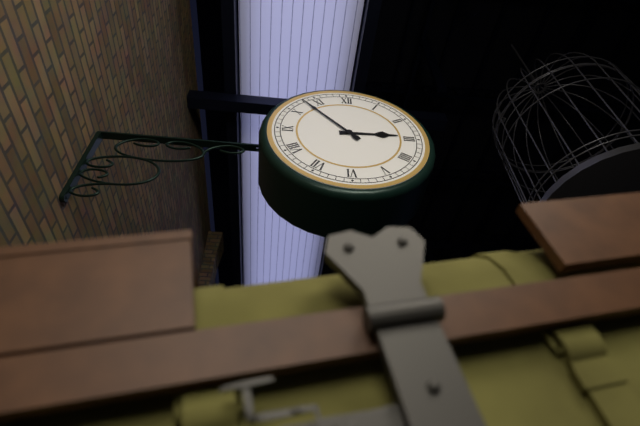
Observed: 2h53
